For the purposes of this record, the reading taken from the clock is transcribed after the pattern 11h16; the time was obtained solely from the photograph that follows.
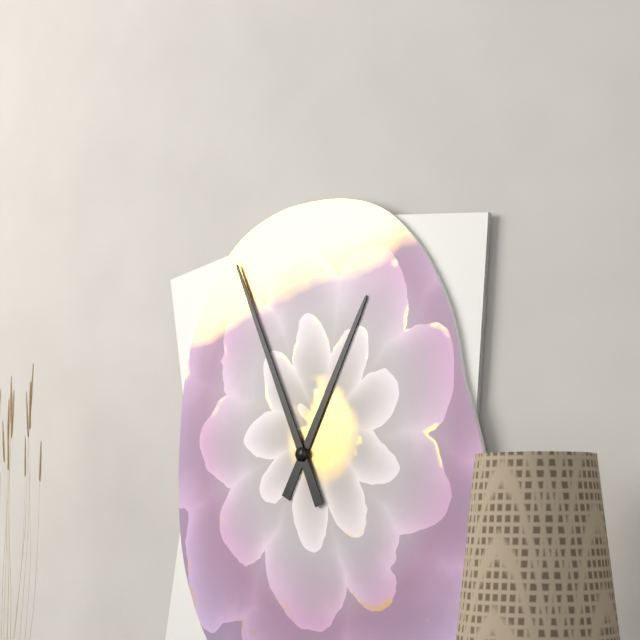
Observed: 12h56
